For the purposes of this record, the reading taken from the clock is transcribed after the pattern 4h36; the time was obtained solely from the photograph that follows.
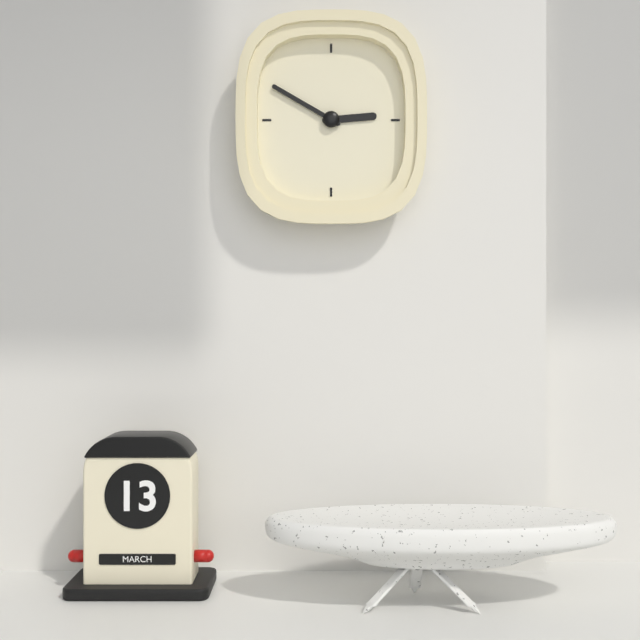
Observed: 2h50
